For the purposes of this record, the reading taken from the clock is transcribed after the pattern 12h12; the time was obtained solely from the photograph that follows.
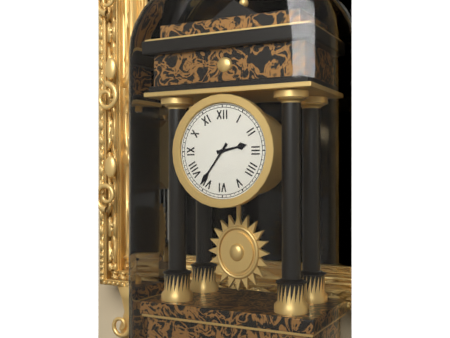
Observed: 2h36
